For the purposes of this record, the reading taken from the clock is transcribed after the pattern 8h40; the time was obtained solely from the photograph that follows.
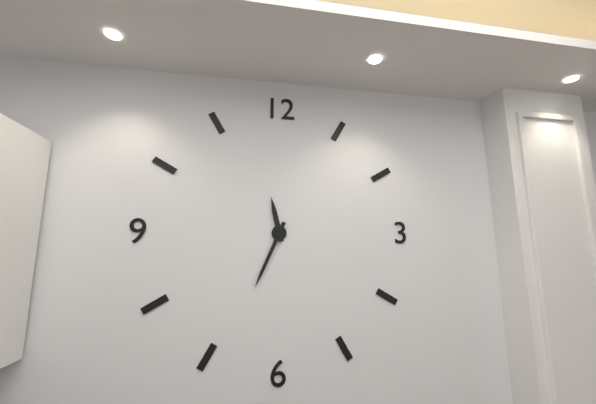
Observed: 11h34
